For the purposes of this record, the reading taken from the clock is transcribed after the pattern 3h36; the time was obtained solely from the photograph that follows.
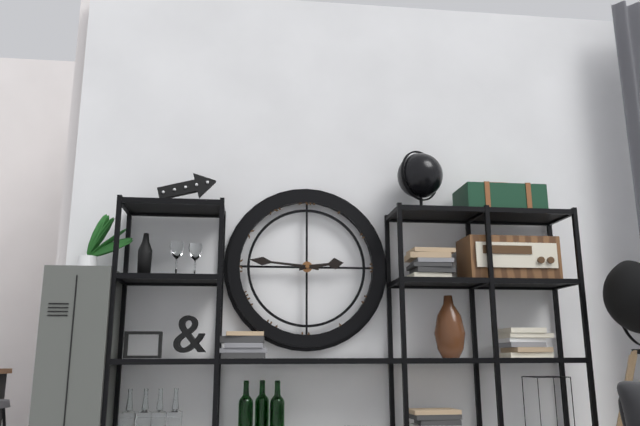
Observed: 2h46
